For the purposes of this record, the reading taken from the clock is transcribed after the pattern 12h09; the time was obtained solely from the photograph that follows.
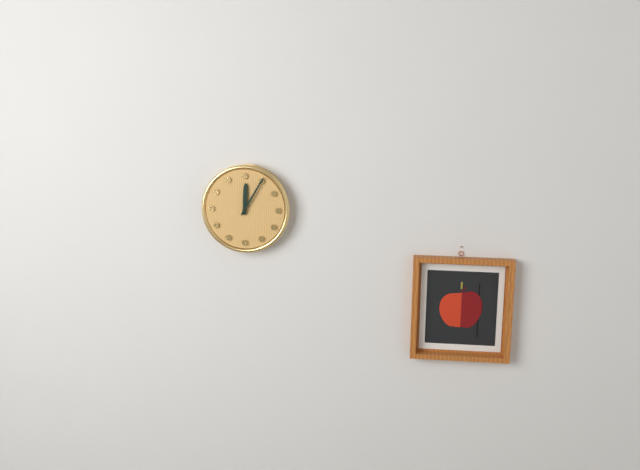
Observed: 12h05
